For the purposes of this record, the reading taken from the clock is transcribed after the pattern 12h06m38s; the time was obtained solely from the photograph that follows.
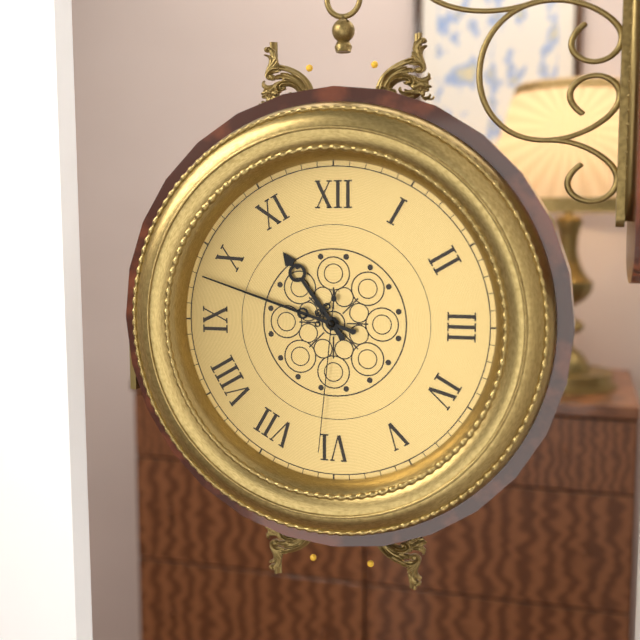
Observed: 10h48m31s
